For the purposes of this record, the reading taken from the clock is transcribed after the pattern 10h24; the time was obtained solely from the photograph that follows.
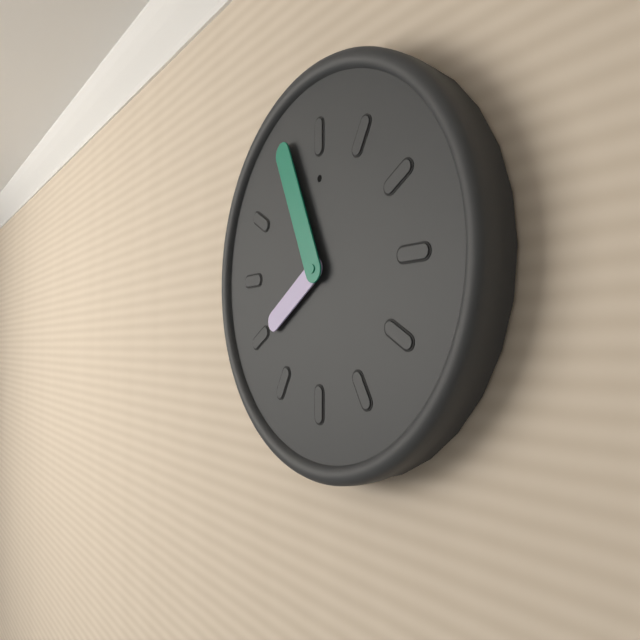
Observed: 7h56
